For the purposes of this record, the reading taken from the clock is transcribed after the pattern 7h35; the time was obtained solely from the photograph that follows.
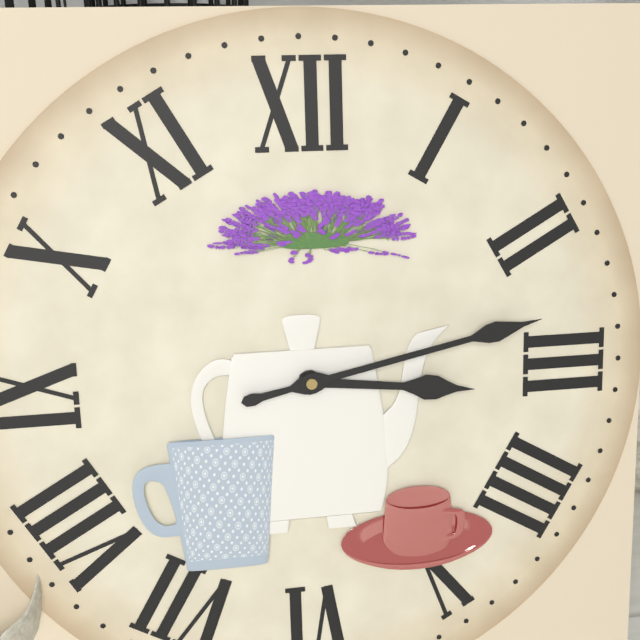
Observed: 3h13
